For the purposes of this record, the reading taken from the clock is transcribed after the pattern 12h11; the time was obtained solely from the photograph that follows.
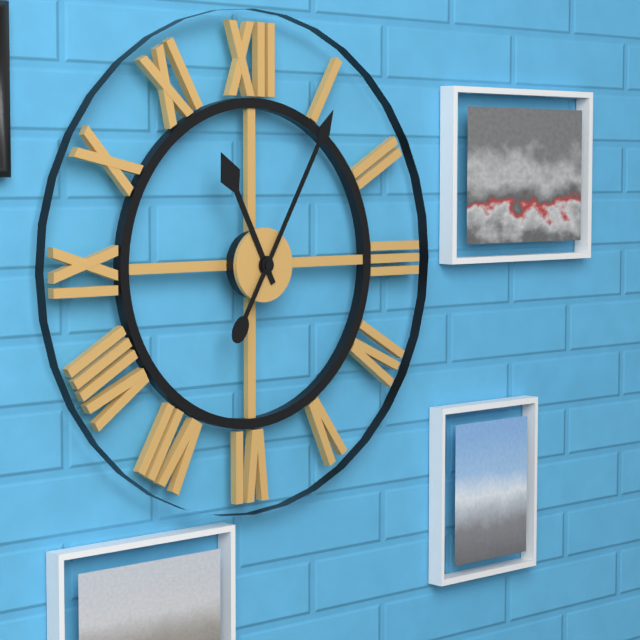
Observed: 11h05
